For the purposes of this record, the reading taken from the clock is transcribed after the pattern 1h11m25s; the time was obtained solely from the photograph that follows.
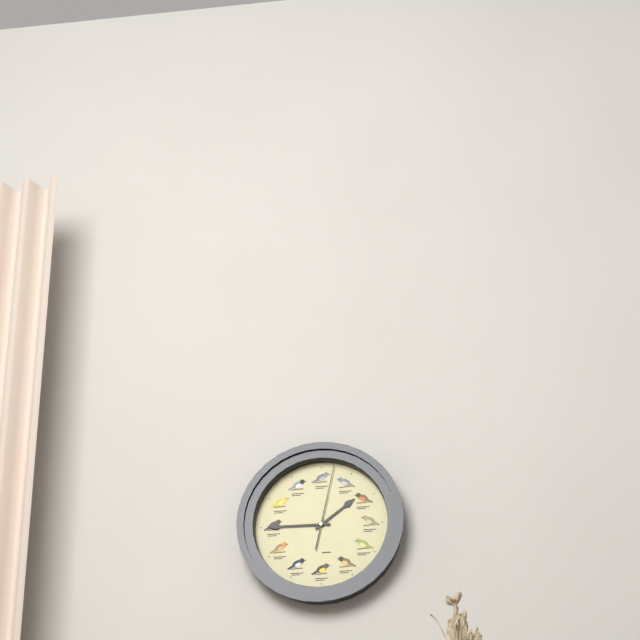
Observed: 1h45m02s
